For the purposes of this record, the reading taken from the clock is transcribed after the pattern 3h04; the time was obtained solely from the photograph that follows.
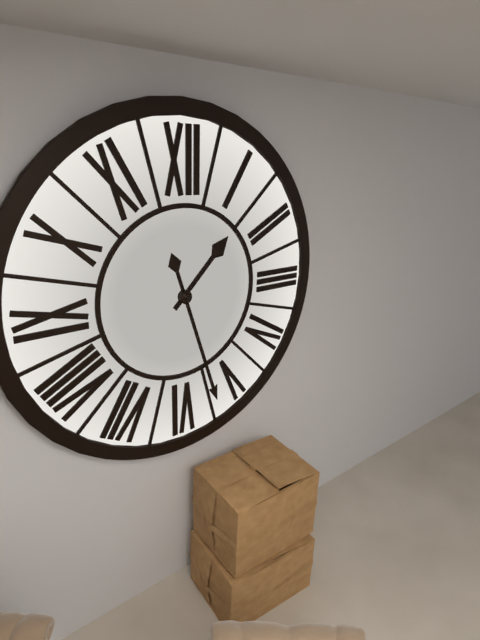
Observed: 1h27
